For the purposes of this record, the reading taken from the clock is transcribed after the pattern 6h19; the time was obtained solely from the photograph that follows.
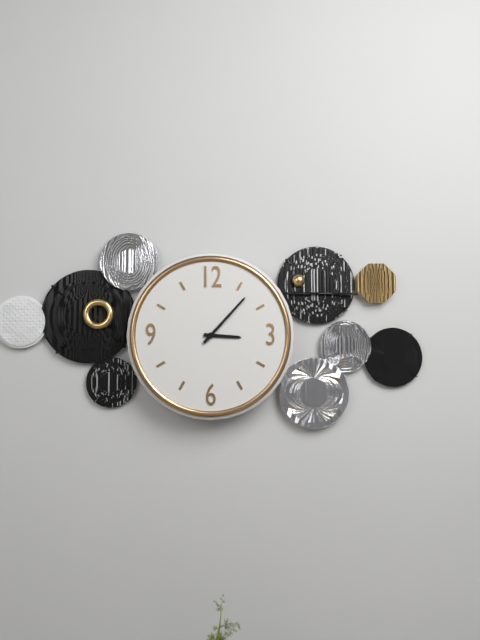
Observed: 3h07
